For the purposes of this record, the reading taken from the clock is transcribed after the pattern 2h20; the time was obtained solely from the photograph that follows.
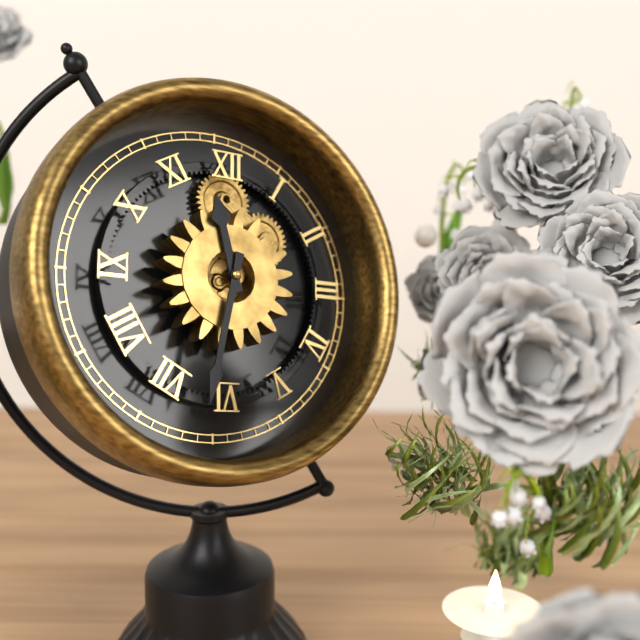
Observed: 11h32
